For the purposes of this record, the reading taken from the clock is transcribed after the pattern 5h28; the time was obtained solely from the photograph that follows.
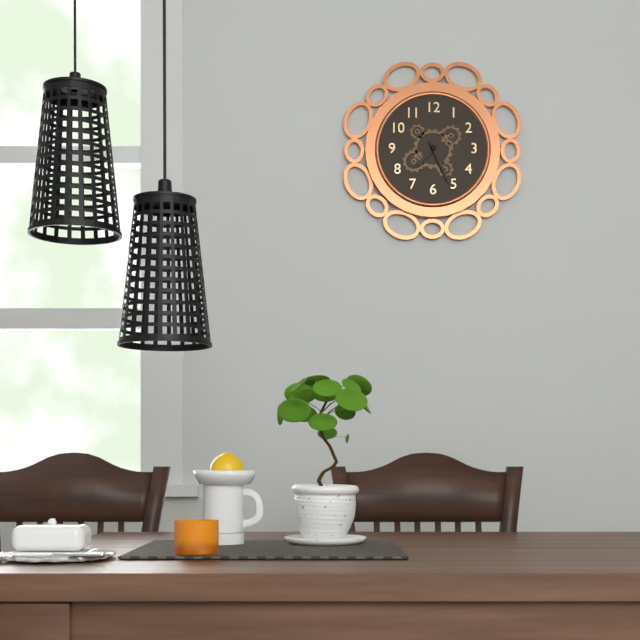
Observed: 7h26
